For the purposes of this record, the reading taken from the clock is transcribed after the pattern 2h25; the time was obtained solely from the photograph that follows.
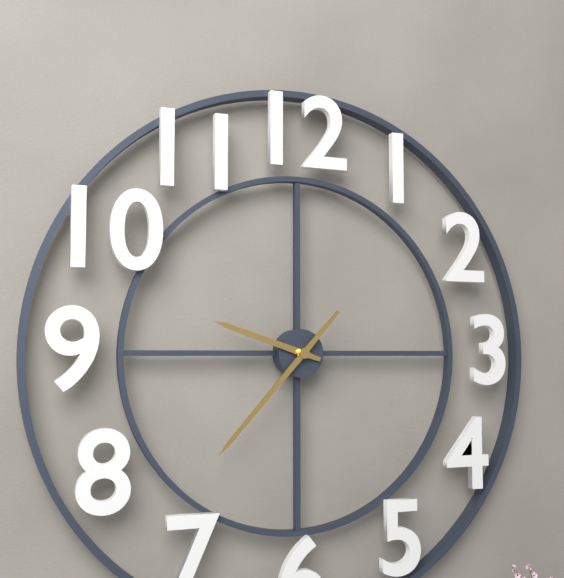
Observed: 9h37
